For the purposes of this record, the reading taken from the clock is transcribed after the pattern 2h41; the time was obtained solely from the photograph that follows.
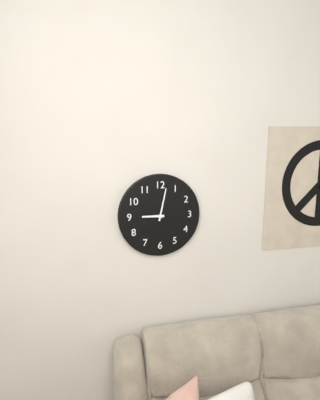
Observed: 9h02
